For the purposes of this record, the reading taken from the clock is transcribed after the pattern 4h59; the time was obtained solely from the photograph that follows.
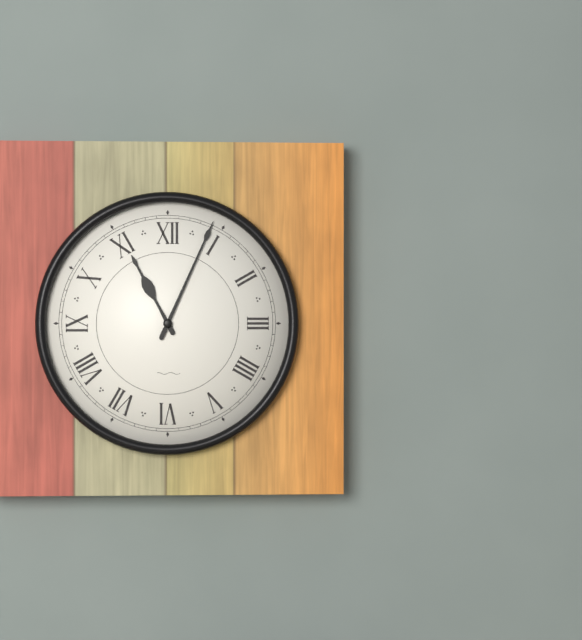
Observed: 11h04
